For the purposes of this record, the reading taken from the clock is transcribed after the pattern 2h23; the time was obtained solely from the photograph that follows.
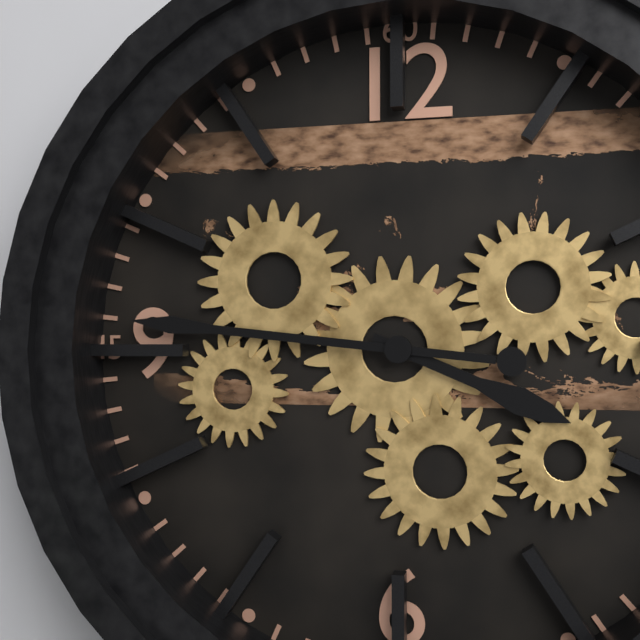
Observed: 3h46
